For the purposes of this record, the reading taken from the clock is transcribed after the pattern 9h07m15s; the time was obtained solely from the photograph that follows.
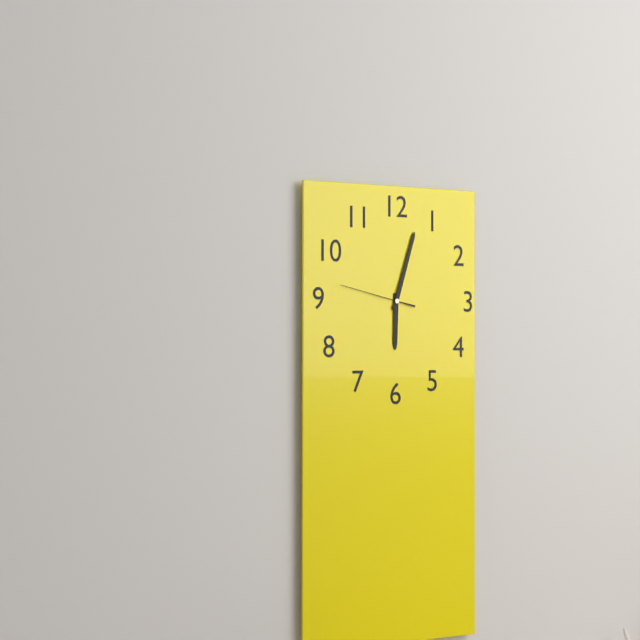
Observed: 6h03m47s
